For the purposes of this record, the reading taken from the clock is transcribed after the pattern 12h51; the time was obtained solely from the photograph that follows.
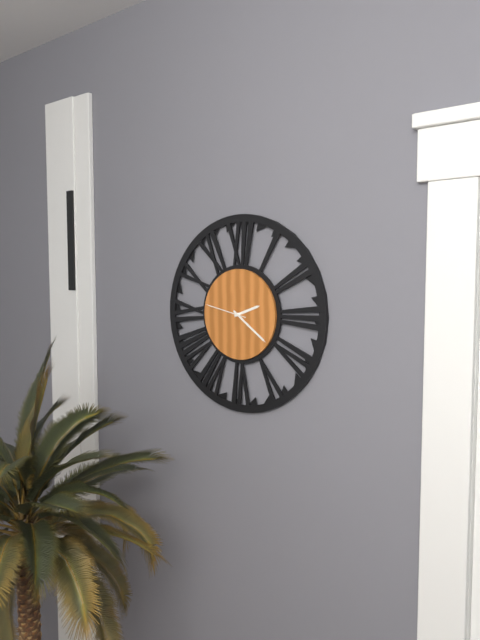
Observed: 2h21
